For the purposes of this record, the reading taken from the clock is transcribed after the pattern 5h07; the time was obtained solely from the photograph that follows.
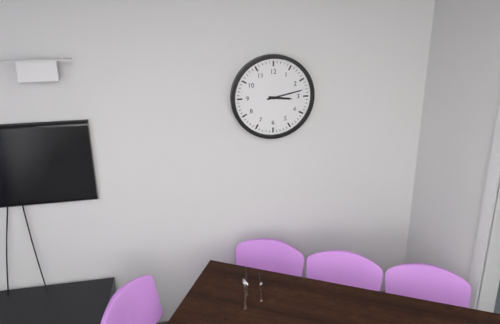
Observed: 3h13
